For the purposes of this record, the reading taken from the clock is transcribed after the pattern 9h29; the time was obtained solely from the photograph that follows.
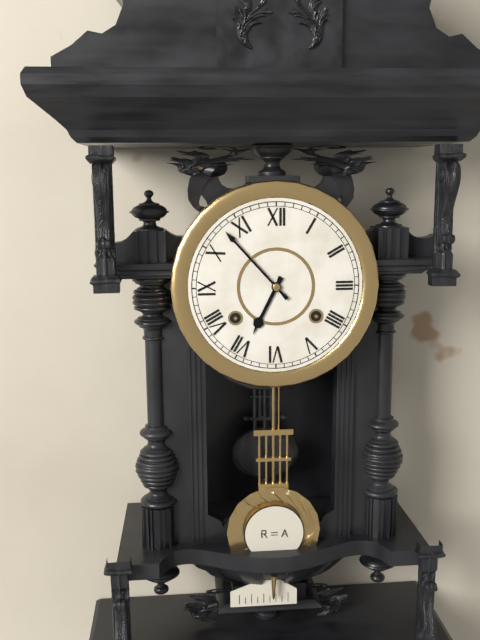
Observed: 6h53
